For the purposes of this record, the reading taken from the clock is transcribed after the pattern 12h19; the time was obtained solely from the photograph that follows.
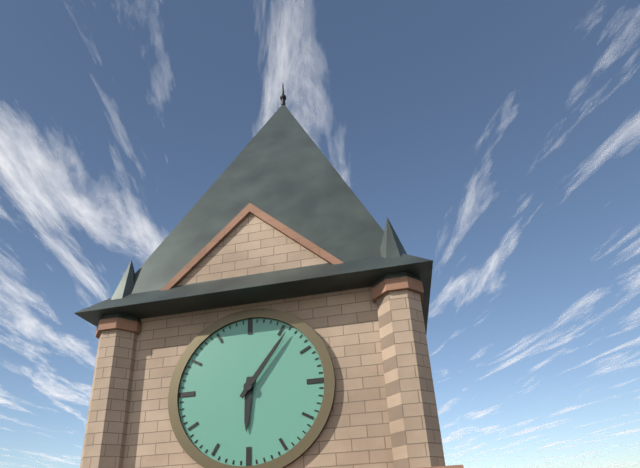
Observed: 6h06
